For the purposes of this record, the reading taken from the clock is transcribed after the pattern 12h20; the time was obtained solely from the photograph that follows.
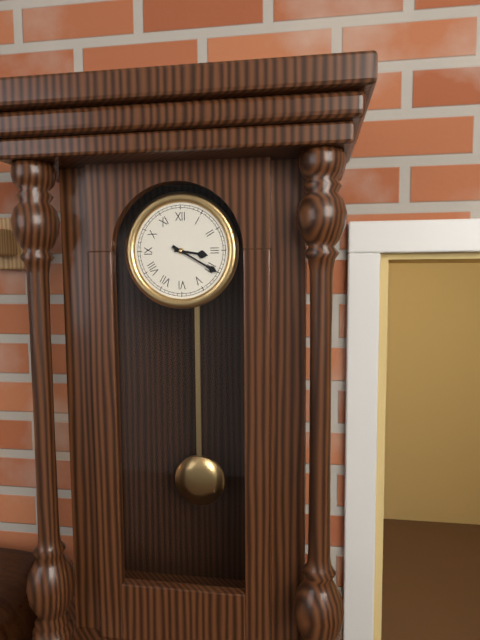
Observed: 3h20
